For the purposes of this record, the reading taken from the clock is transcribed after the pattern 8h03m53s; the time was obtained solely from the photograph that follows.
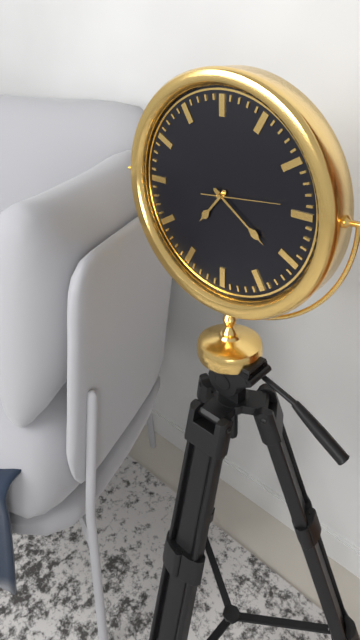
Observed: 7h21m14s
